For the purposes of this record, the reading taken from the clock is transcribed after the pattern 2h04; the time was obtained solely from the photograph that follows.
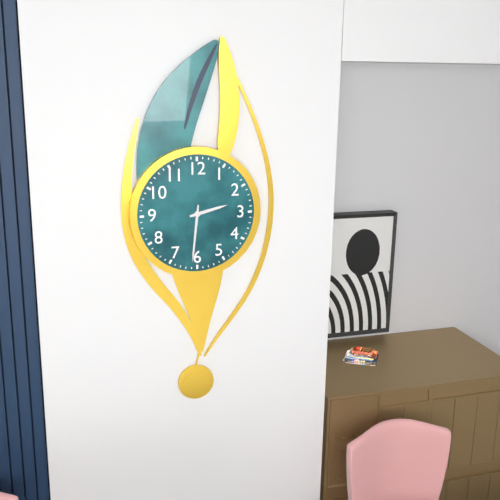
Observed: 2h31
